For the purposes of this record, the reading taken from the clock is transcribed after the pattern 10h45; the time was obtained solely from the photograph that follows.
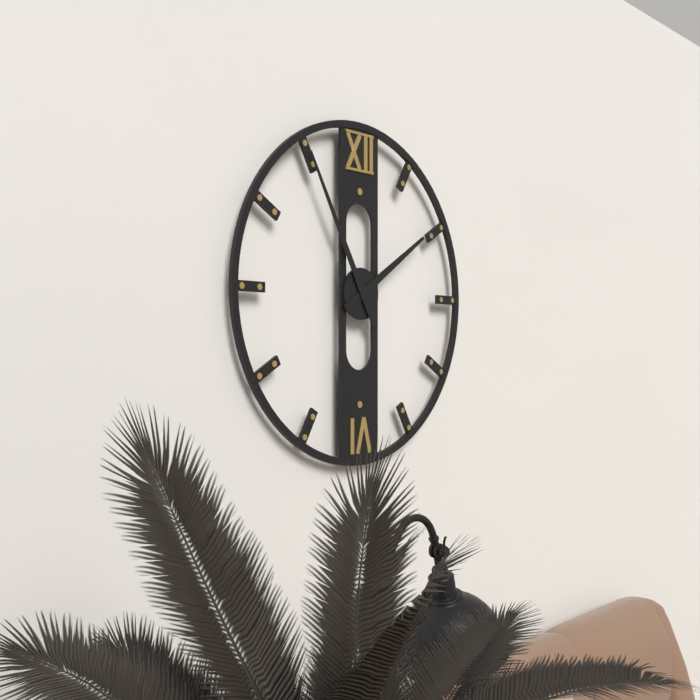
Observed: 1h55
